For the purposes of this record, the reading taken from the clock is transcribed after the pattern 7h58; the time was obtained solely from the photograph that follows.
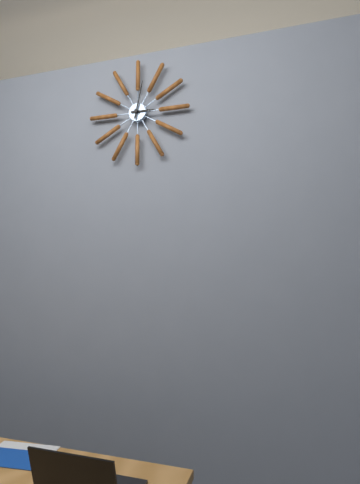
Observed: 3h02
